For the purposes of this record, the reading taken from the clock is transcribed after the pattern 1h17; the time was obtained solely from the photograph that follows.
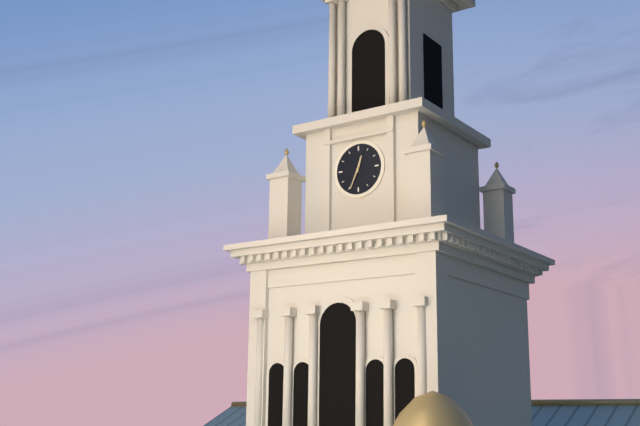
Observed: 12h34
